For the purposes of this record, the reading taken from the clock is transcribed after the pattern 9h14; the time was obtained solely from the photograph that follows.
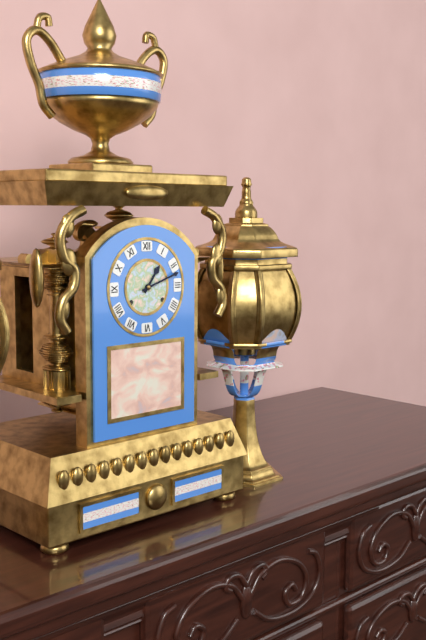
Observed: 1h12
